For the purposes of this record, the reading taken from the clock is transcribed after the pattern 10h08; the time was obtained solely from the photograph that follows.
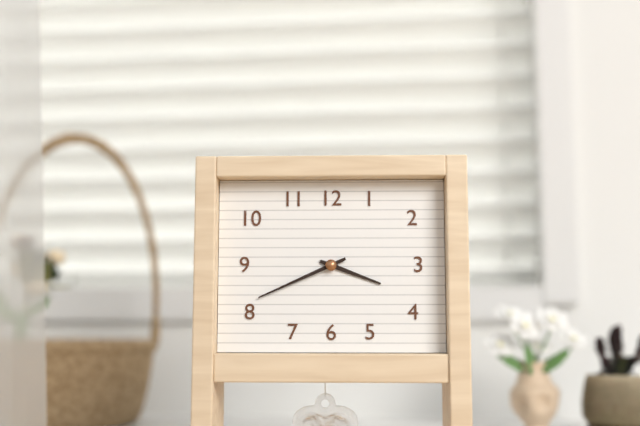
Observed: 3h41
